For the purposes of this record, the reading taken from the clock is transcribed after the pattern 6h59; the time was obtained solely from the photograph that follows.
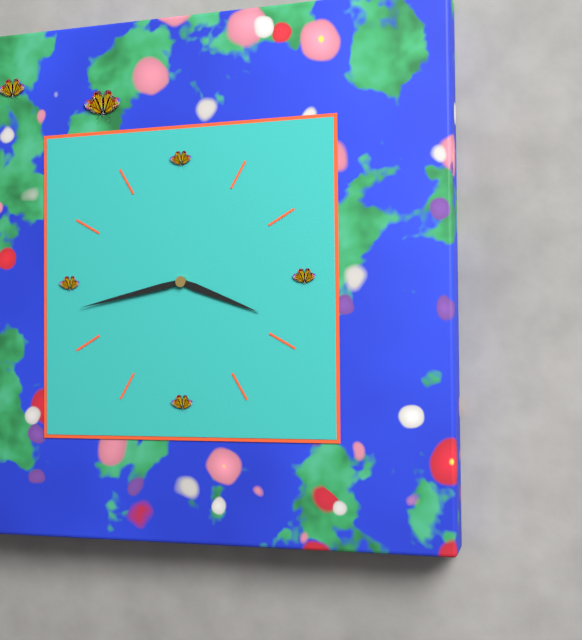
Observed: 3h43
